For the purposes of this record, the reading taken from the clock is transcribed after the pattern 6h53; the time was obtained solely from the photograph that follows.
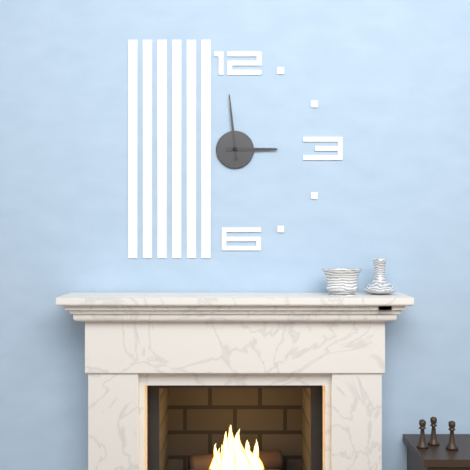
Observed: 2h59
